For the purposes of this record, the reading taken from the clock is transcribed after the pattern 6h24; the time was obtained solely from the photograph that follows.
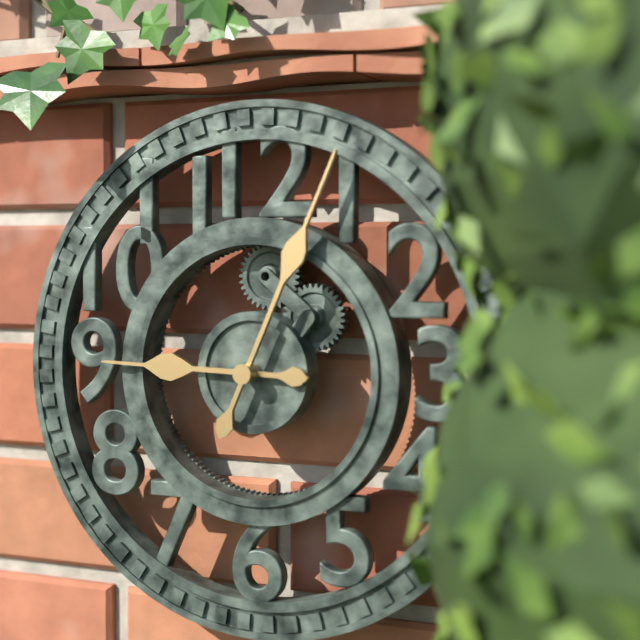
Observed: 9h04
